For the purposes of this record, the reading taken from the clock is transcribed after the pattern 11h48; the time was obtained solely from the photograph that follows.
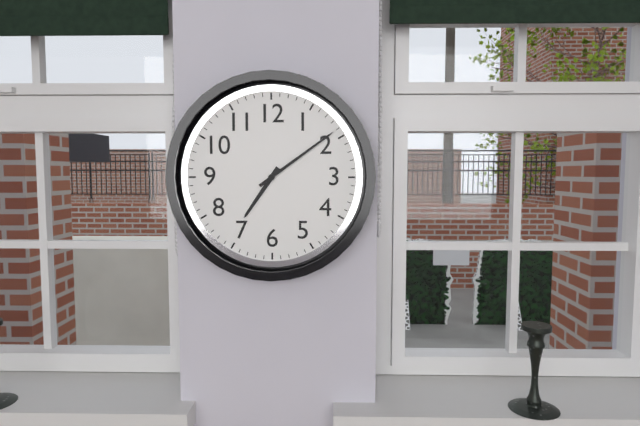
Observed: 7h09
